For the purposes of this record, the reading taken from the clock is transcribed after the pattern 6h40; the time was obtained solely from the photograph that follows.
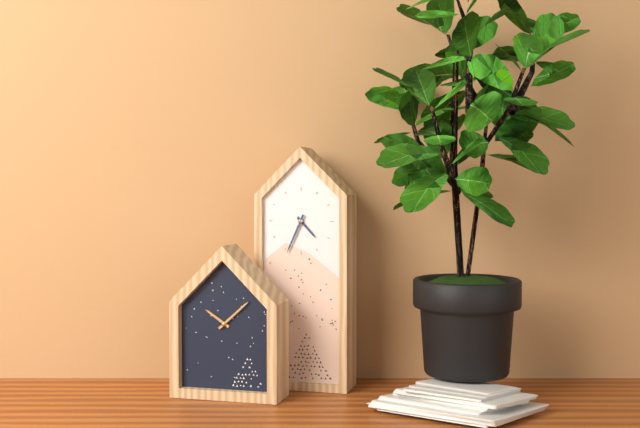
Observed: 4h34
